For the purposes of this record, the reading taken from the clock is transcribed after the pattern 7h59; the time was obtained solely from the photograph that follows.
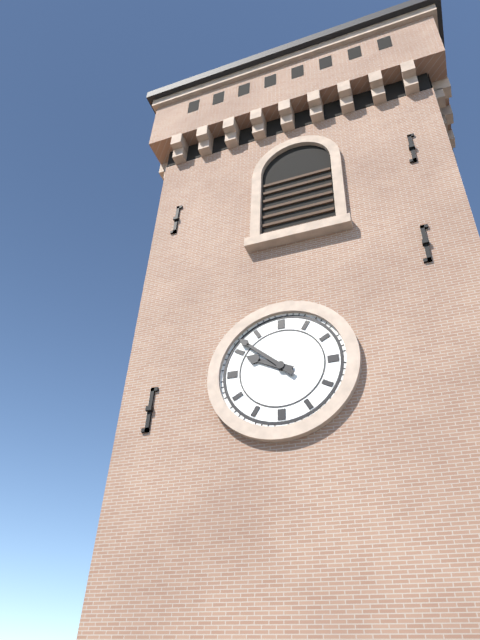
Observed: 9h52
